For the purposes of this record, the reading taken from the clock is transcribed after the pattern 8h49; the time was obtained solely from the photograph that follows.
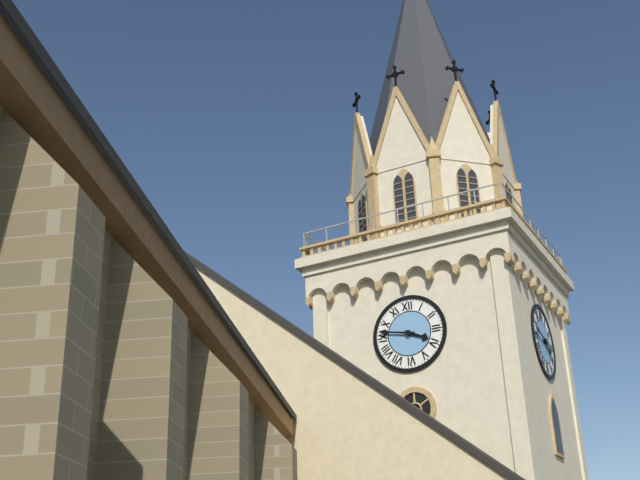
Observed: 3h47
